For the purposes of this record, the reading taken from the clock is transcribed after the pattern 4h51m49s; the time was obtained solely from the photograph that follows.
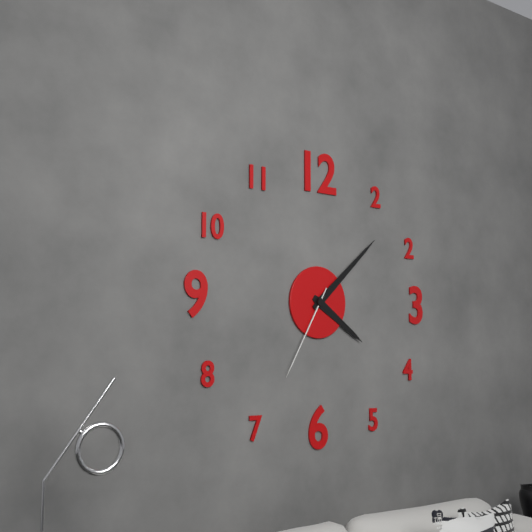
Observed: 4h08m35s
